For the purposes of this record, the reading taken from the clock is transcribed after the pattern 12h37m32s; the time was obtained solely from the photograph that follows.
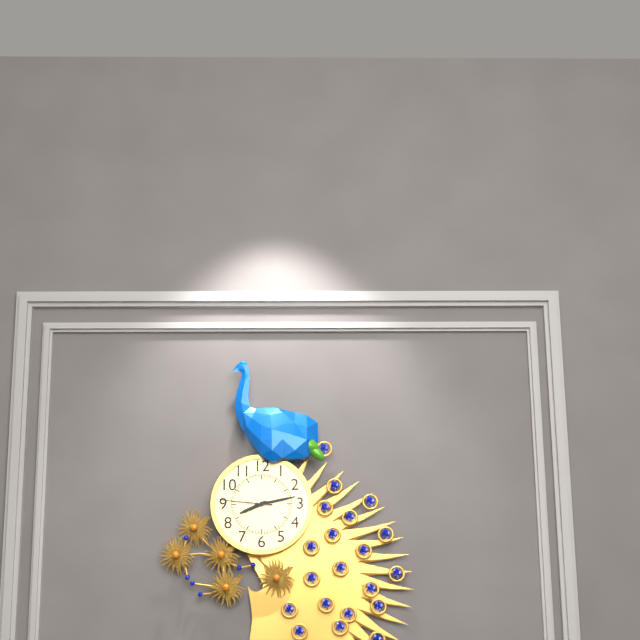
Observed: 8h13m46s
